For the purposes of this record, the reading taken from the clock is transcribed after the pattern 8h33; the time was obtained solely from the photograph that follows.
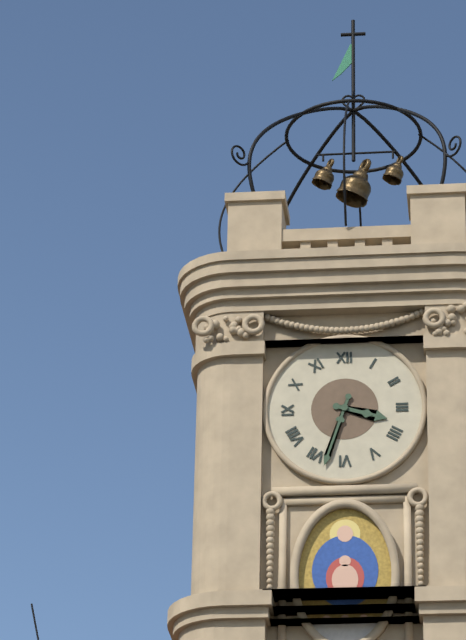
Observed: 3h33
